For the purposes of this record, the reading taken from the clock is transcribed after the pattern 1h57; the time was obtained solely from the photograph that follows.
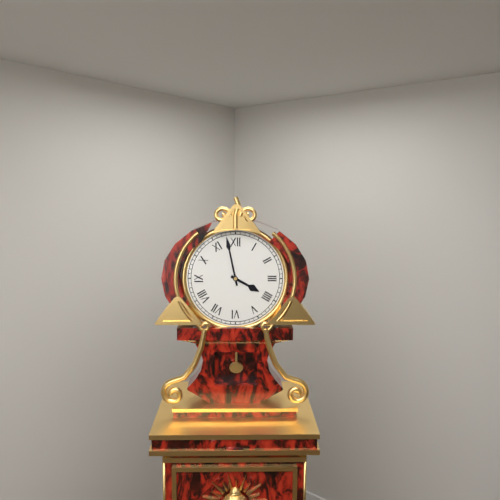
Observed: 3h58
